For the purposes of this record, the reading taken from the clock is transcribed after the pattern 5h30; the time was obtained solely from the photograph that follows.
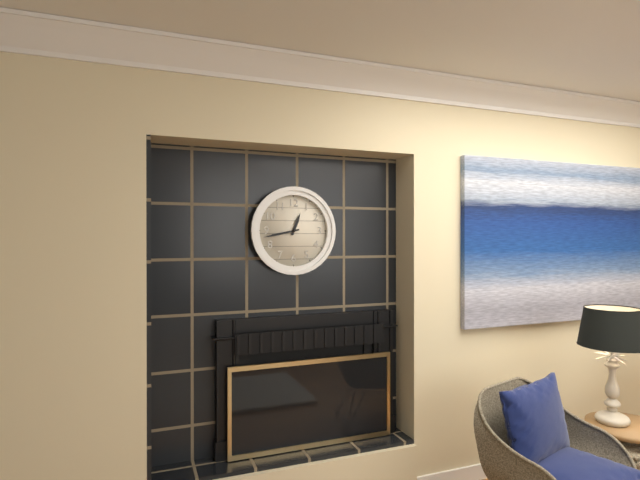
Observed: 12h43
